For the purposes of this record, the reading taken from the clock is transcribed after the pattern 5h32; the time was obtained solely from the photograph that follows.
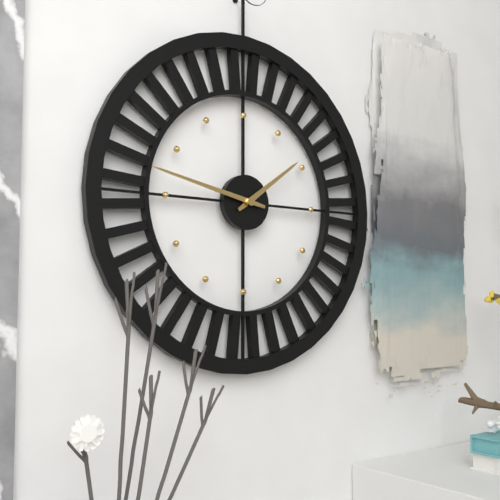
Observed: 1h47
